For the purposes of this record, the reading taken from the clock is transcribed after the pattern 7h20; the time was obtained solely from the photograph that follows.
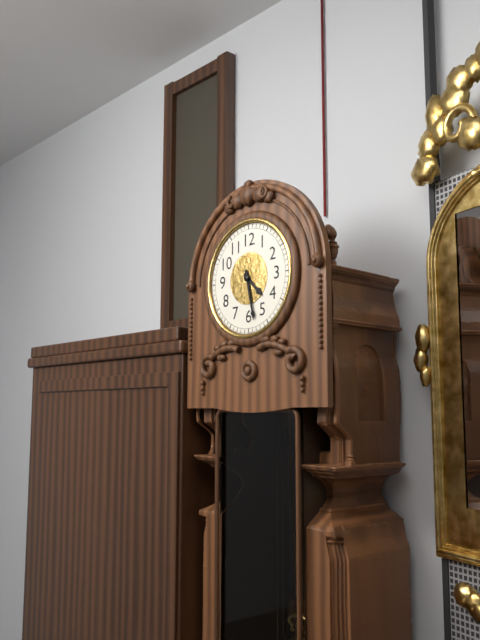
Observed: 4h28
